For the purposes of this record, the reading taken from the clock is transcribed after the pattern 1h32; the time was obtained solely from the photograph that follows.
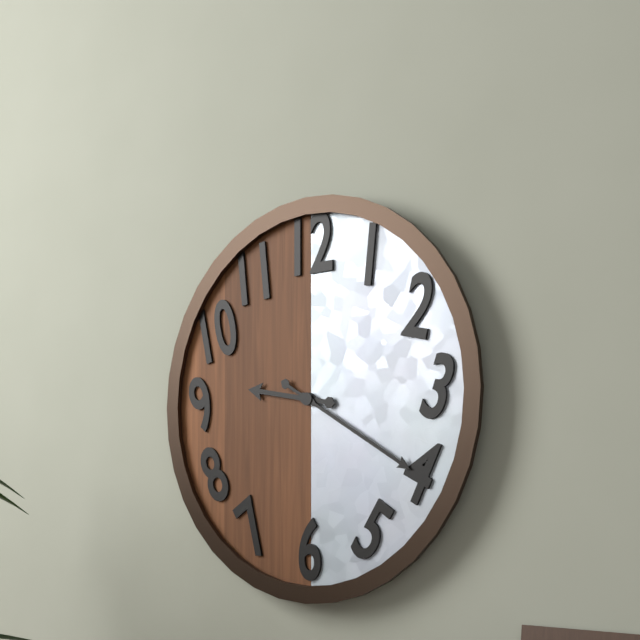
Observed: 9h20
